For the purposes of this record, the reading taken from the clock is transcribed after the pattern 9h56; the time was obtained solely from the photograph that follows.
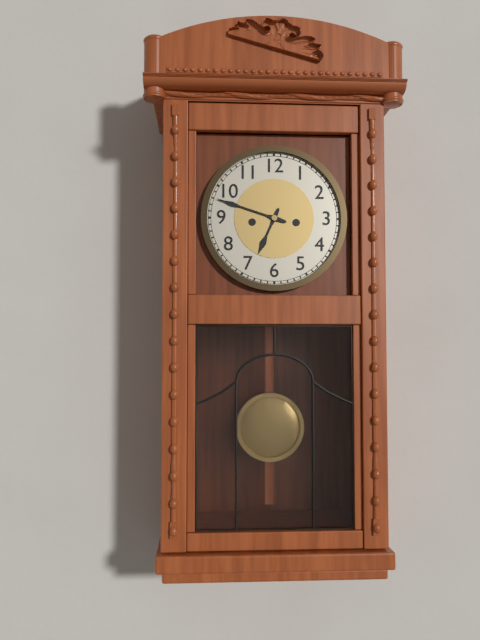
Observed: 6h48
